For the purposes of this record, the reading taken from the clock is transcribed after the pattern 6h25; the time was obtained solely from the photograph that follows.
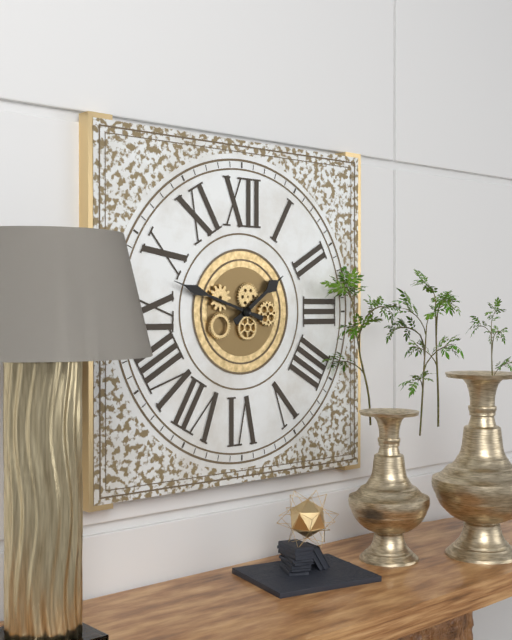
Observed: 1h48
